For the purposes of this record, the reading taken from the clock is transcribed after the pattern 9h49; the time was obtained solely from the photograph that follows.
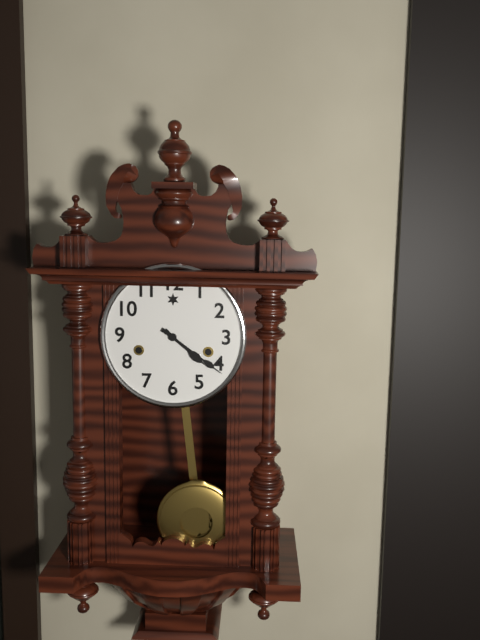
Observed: 4h21
